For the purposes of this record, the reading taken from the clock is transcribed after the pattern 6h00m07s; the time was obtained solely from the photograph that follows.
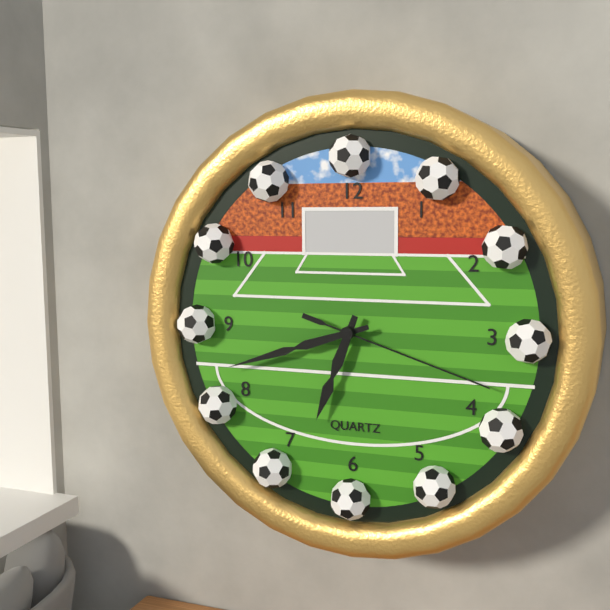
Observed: 6h42m18s
